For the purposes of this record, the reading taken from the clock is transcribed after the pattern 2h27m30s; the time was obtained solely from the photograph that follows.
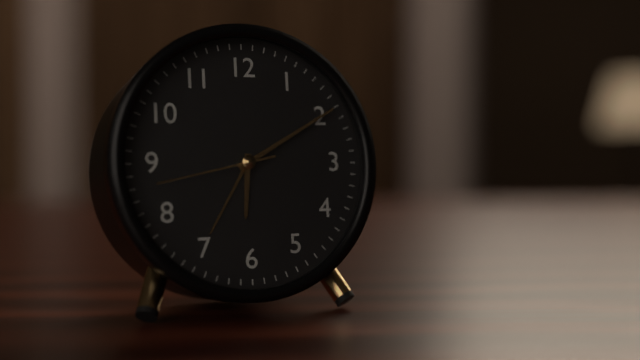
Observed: 6h10m43s
